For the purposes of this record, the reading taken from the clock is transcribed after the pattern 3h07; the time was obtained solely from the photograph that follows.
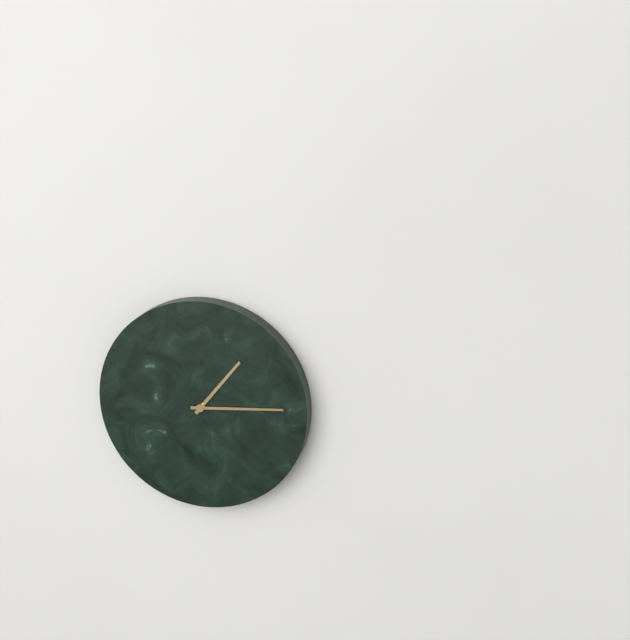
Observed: 1h14
